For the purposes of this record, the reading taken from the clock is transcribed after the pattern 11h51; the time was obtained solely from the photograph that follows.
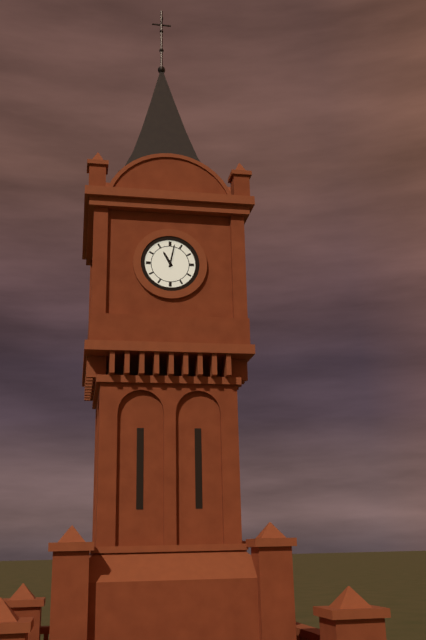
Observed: 11h02
